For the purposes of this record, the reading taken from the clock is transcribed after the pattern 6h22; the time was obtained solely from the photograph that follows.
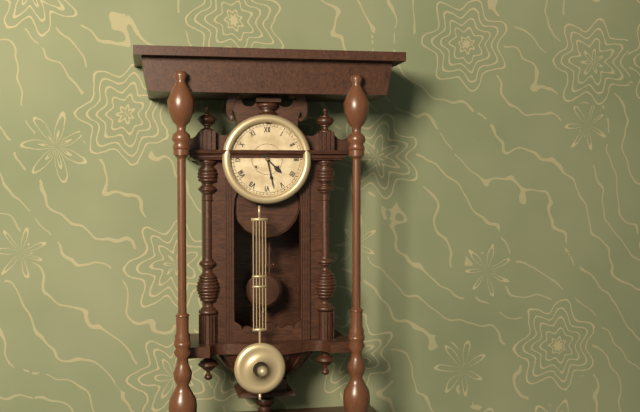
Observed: 4h28
